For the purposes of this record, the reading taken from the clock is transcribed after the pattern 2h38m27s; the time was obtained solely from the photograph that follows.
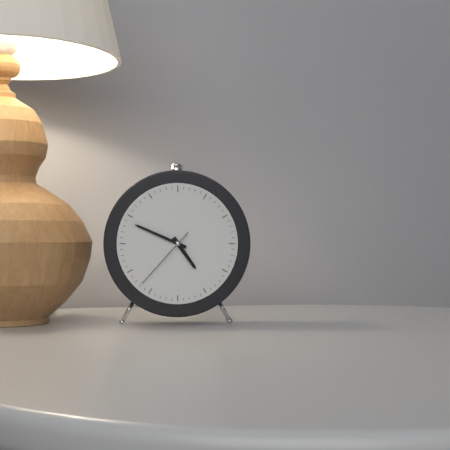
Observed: 4h49m37s
